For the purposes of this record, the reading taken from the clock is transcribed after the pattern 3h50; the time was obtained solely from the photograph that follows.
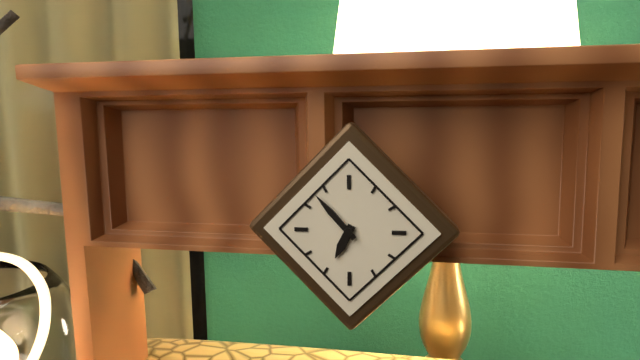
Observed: 6h53
